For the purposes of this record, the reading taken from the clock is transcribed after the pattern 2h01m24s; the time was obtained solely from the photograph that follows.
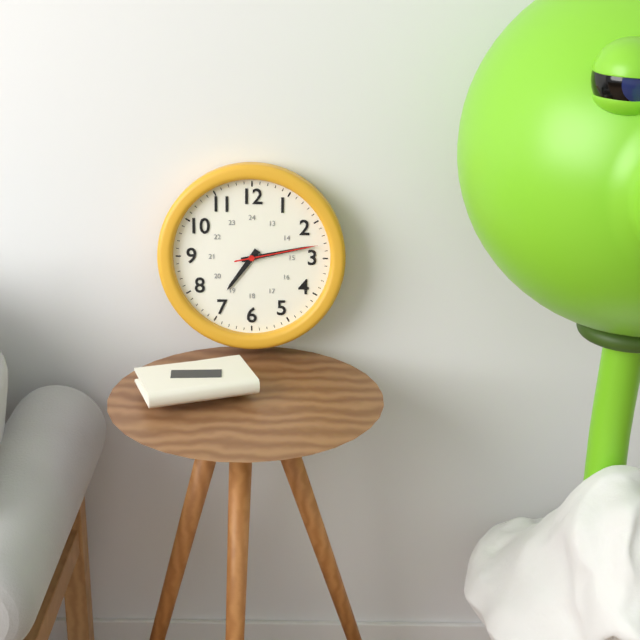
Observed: 7h13m13s
